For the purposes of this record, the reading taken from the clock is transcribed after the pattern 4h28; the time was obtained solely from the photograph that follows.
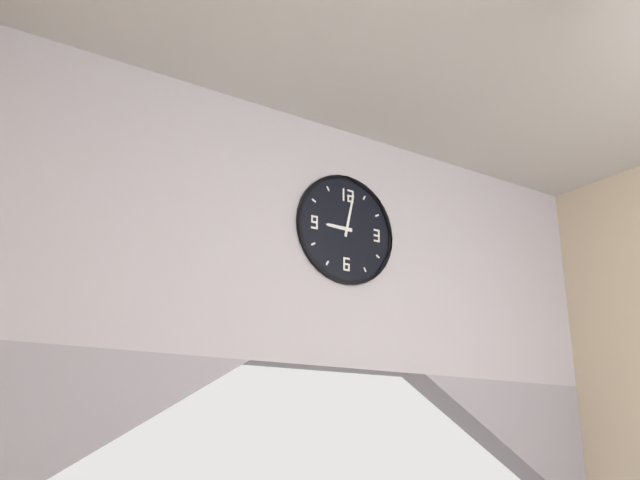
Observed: 9h02
